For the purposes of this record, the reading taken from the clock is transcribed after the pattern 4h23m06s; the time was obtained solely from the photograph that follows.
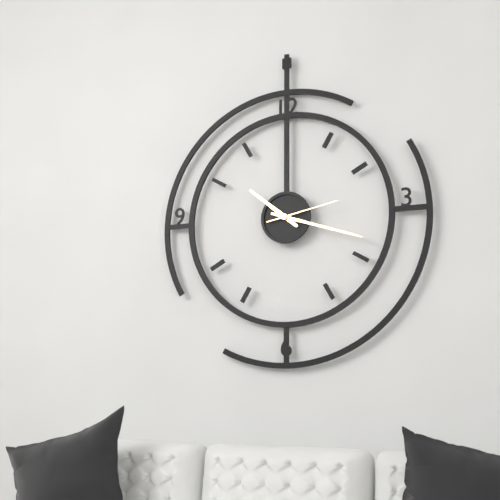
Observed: 10h18m13s
